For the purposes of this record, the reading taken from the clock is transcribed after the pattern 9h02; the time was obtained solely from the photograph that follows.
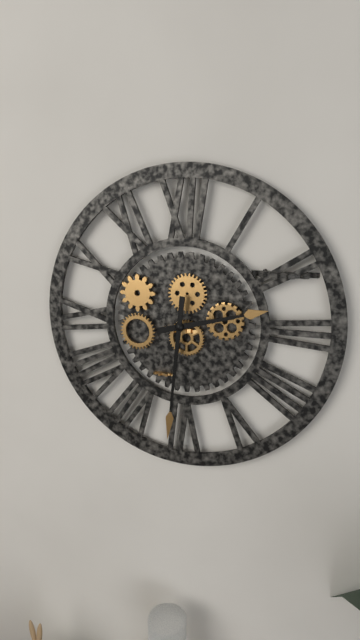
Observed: 2h31
